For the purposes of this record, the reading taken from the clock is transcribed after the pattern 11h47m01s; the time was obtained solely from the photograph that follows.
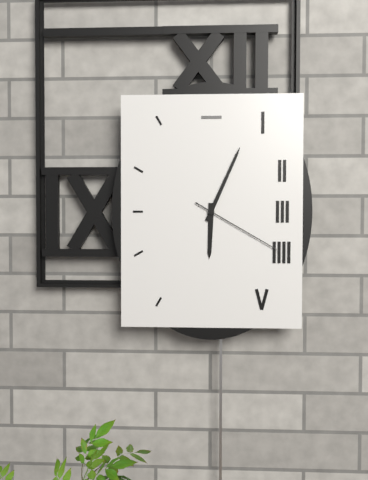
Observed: 6h04m20s
